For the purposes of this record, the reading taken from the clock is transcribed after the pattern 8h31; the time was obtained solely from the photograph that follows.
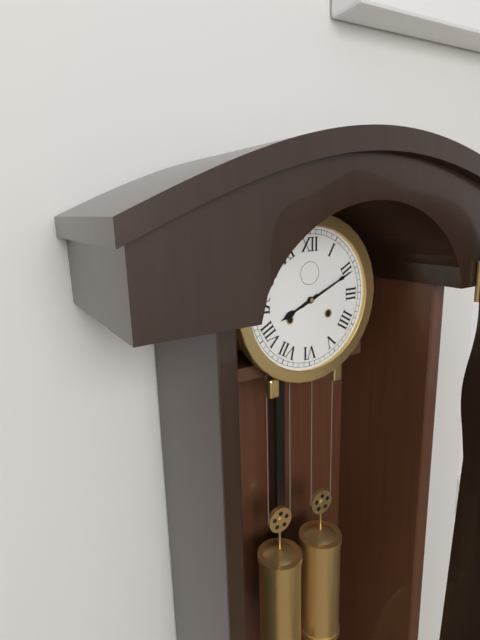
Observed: 8h11
